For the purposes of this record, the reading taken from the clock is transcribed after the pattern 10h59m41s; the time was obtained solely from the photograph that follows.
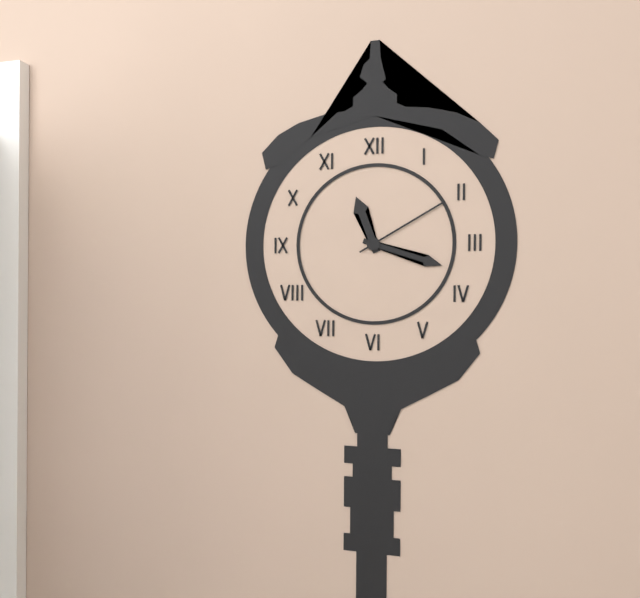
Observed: 11h18m10s
